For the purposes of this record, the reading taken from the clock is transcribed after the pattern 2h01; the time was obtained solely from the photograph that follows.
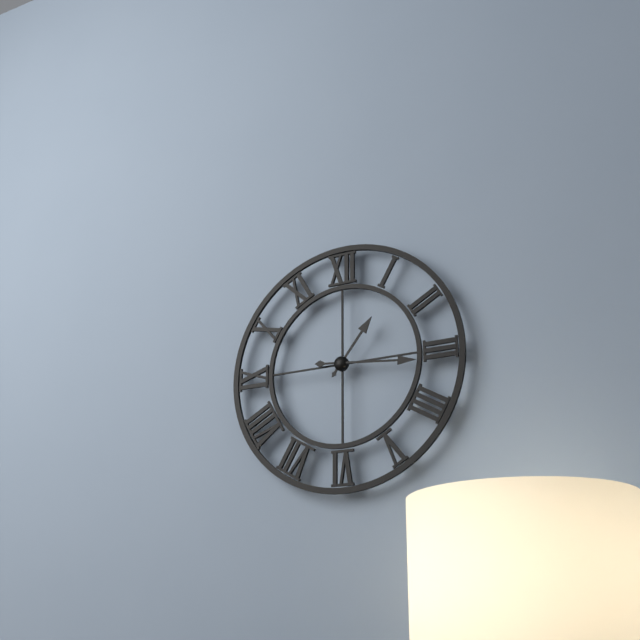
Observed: 1h16
